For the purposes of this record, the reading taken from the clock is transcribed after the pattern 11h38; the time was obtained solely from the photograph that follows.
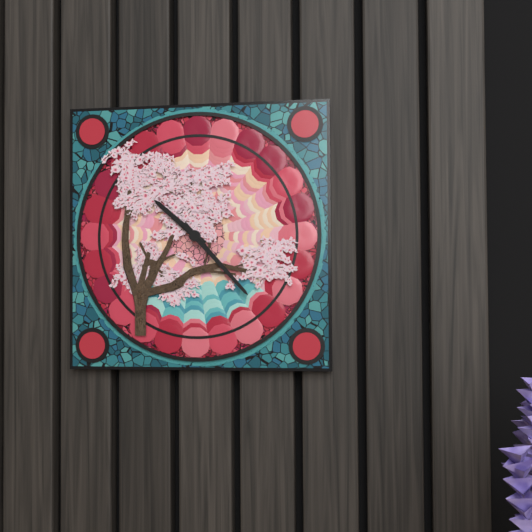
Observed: 10h23
